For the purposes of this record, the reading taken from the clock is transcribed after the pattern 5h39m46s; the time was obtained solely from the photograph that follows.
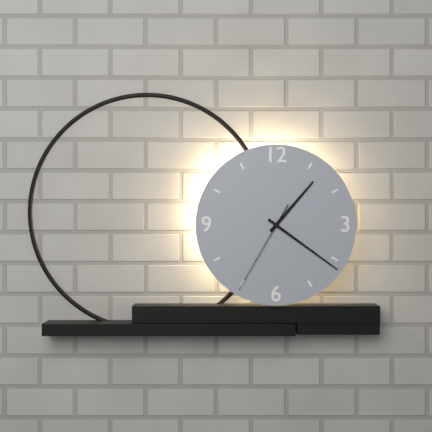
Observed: 1h21m35s
